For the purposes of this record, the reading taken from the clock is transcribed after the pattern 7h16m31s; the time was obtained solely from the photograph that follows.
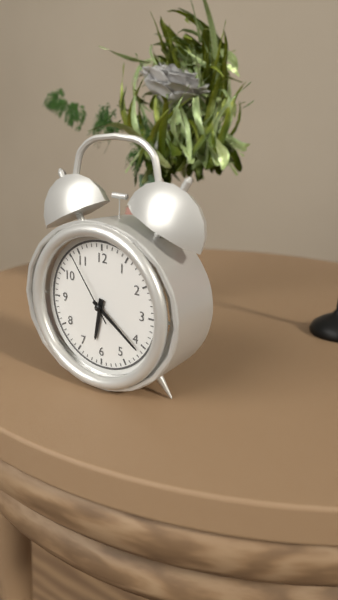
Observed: 6h21m54s
